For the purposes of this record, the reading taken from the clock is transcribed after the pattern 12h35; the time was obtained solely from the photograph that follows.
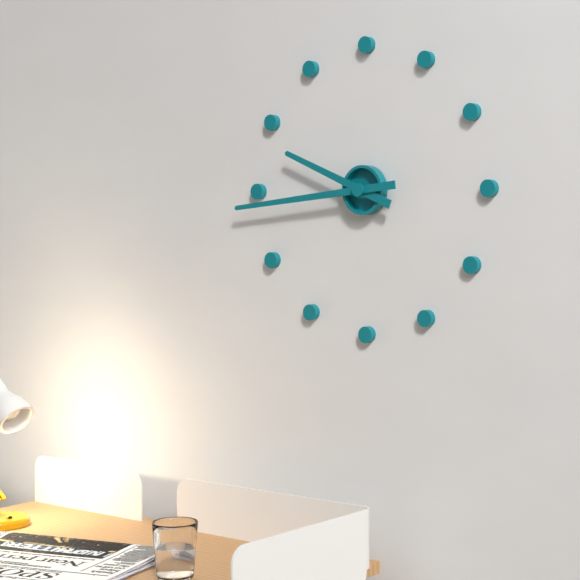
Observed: 9h44
